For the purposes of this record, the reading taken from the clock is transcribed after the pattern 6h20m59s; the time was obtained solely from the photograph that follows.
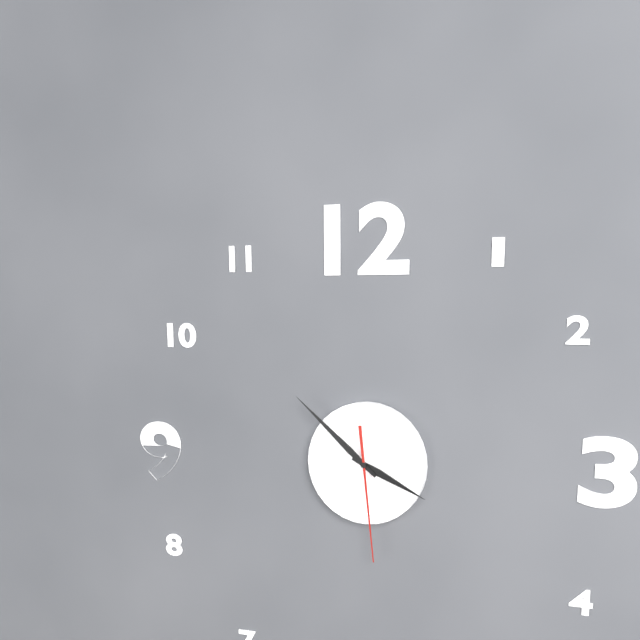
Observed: 3h52m29s
